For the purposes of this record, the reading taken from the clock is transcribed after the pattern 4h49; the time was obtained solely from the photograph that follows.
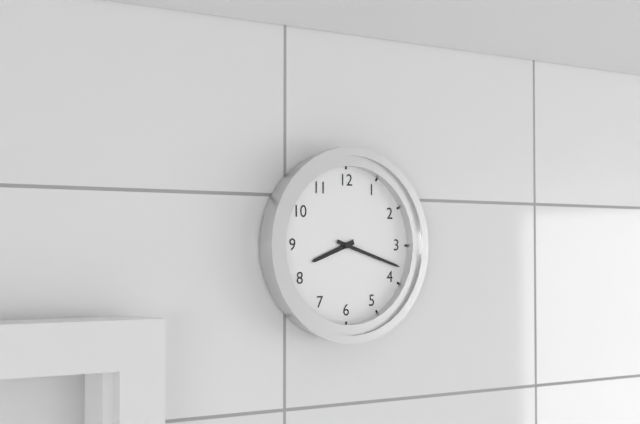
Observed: 8h18
